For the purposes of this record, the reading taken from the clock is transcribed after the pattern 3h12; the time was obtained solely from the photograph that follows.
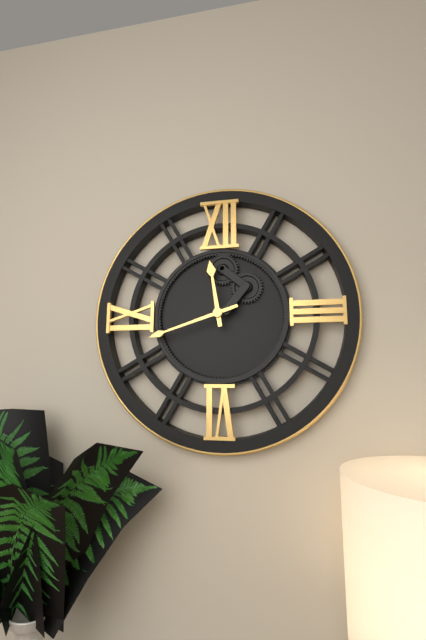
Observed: 11h42
